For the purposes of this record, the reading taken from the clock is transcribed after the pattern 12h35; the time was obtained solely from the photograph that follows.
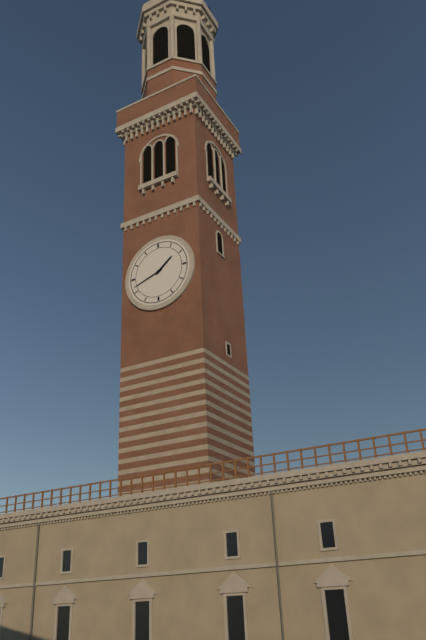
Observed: 1h42
